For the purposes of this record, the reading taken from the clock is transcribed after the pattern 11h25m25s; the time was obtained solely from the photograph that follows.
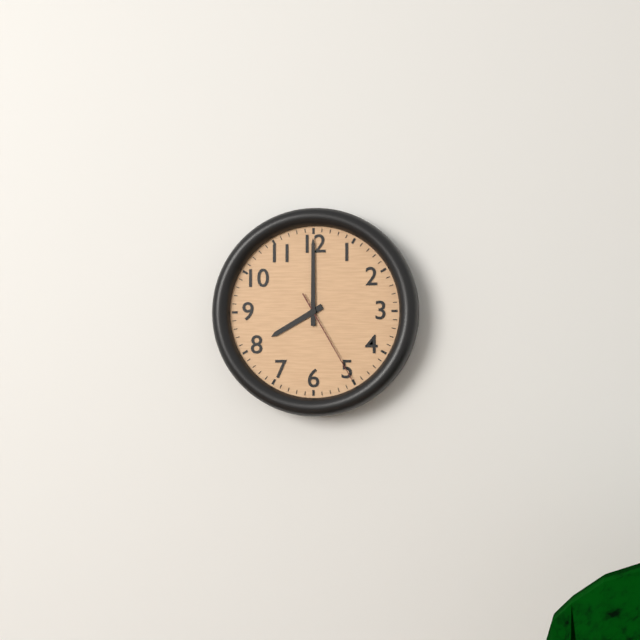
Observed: 8h00m25s
